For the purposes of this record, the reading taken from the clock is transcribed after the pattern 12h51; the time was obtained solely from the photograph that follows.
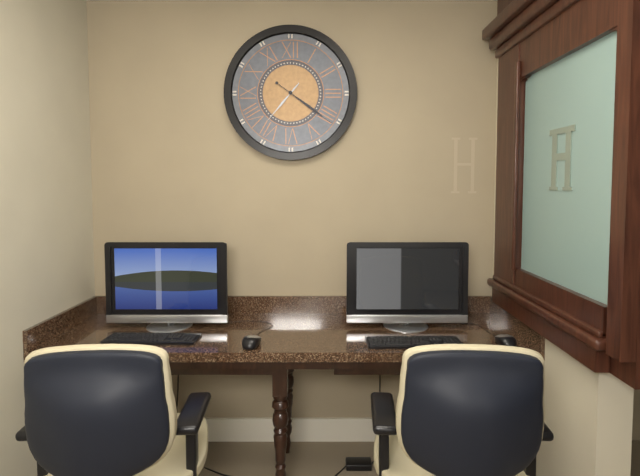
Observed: 7h21
